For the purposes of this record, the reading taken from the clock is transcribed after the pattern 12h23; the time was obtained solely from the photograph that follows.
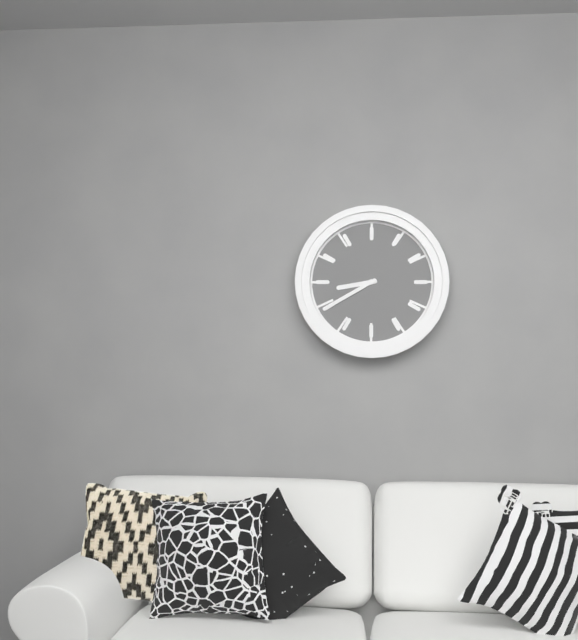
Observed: 8h40
